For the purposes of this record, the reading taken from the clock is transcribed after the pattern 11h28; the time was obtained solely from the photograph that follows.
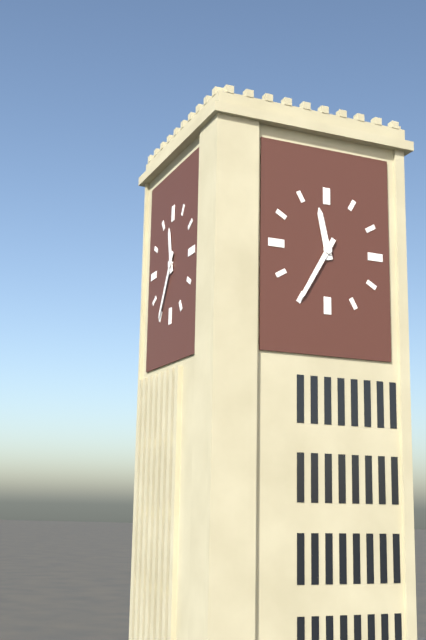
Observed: 11h35
